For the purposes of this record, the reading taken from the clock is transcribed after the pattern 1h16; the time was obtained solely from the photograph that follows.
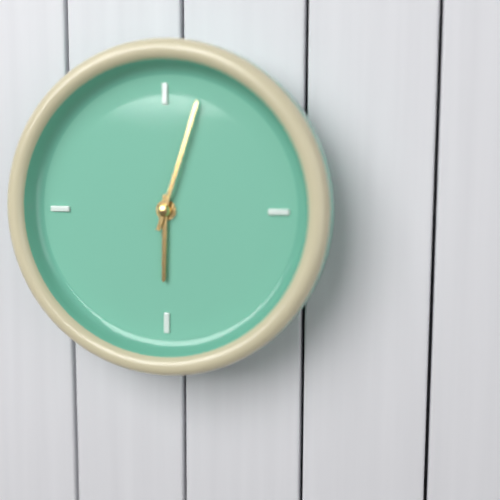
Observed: 6h03
